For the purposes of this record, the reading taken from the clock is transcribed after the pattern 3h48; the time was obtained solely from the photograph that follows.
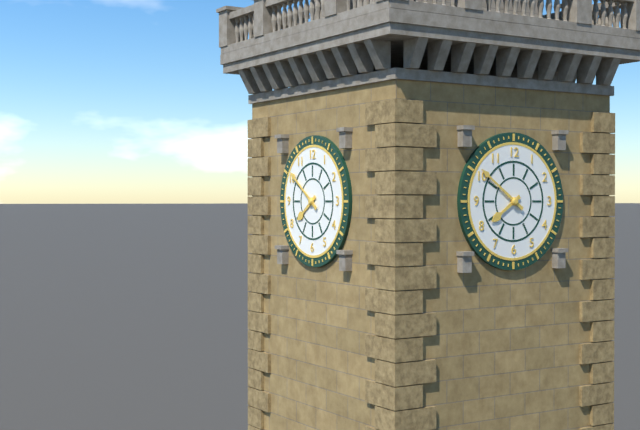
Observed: 7h51
